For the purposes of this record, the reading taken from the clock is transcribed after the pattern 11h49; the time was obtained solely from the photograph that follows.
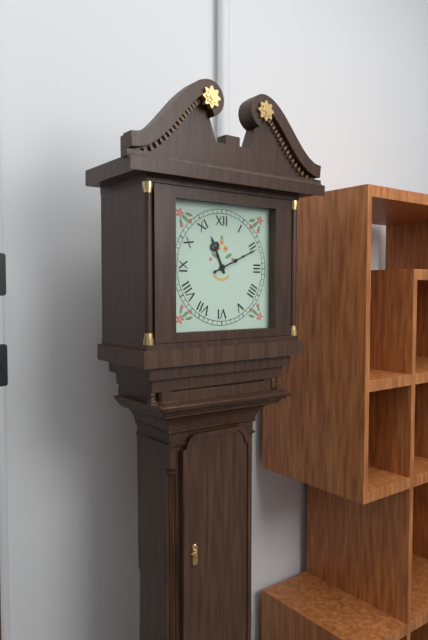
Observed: 11h11
